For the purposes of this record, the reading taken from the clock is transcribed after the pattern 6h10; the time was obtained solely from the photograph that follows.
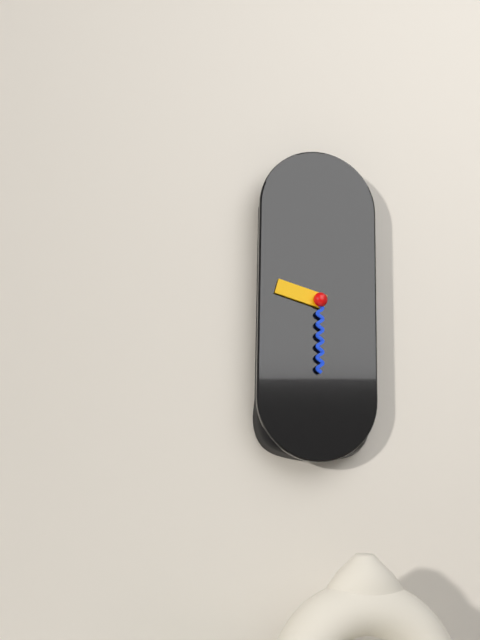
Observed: 9h30
